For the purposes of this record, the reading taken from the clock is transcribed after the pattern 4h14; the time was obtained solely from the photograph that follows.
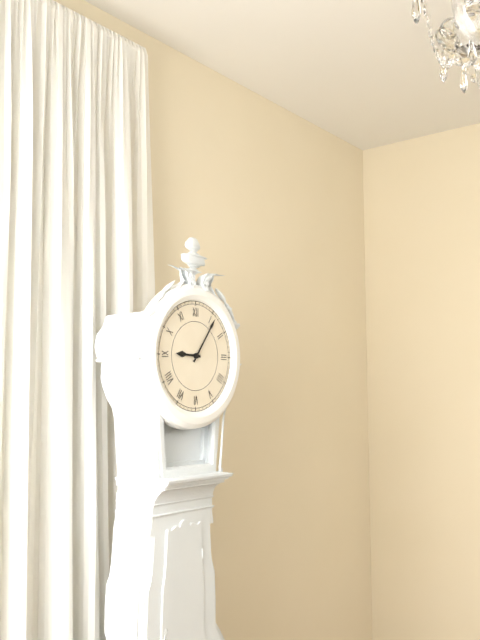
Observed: 9h06
